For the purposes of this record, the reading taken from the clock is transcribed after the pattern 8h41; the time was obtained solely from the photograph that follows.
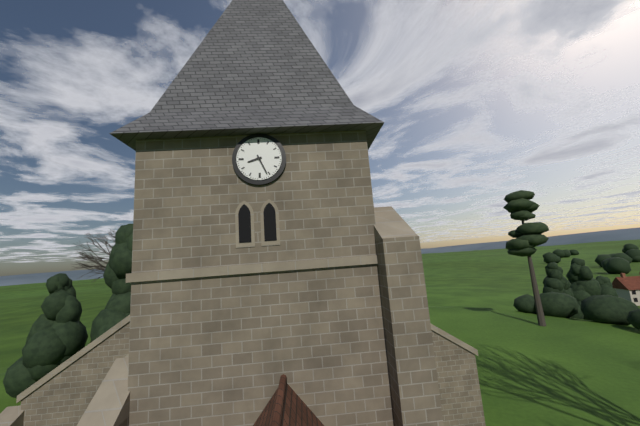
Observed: 8h26
